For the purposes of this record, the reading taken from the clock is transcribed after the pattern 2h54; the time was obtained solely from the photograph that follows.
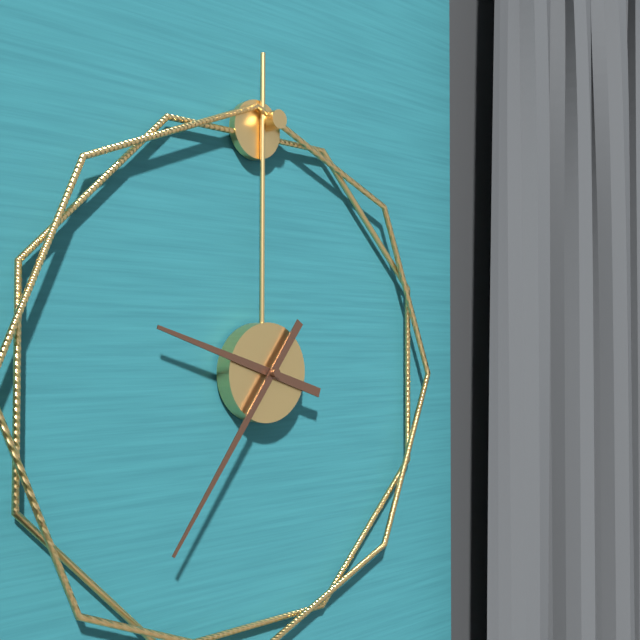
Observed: 9h36
